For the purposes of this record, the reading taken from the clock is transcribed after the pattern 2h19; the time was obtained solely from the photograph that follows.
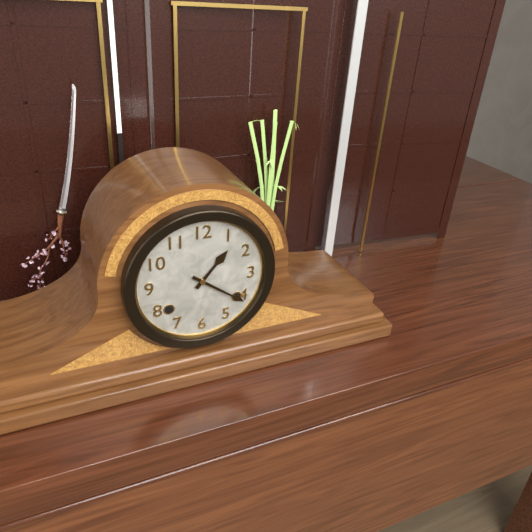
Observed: 1h21
